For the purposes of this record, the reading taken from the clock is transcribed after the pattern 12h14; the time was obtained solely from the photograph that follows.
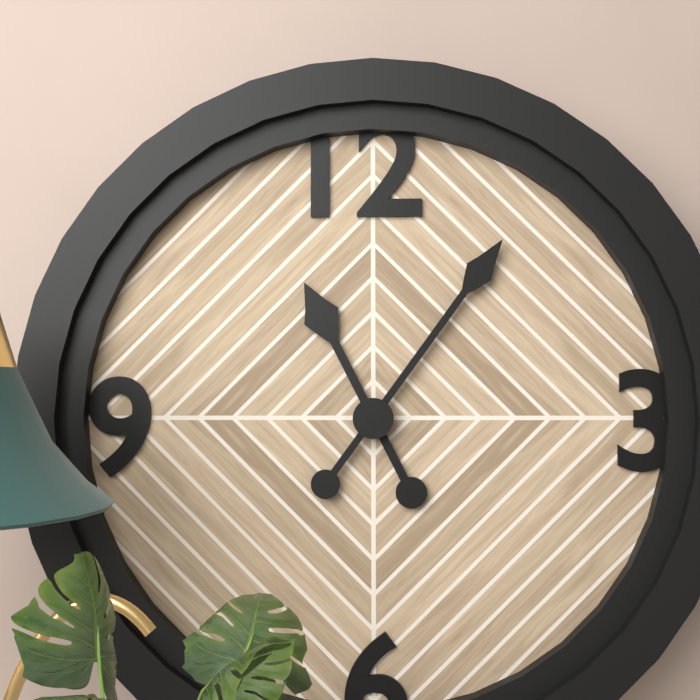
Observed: 11h06
